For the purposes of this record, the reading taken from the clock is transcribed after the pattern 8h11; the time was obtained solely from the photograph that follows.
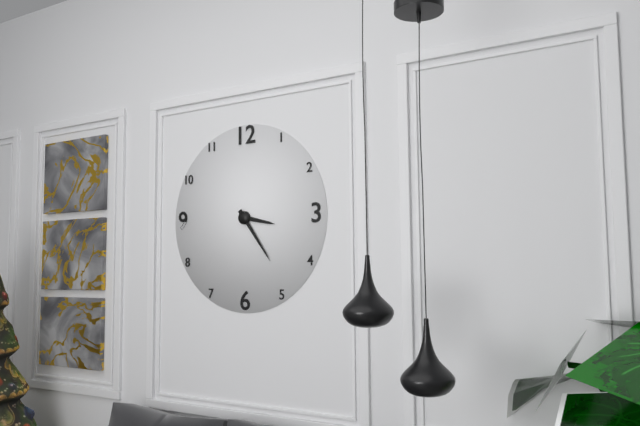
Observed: 3h24
